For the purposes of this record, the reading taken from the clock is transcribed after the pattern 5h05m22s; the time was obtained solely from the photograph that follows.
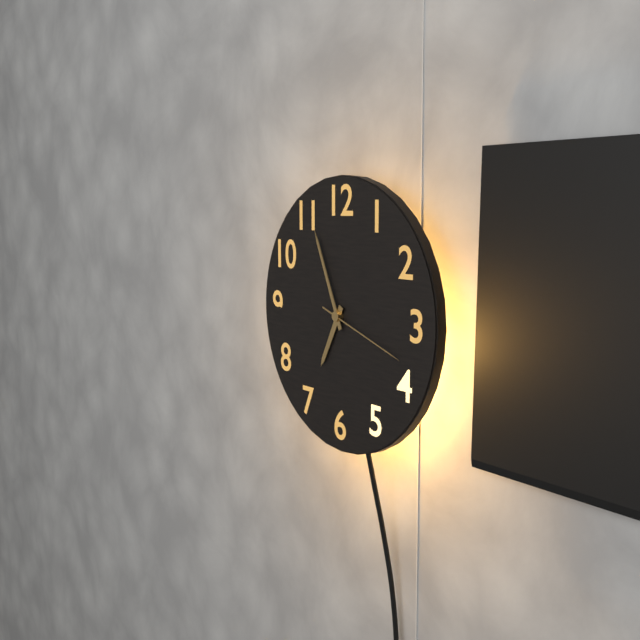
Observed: 6h56m18s
